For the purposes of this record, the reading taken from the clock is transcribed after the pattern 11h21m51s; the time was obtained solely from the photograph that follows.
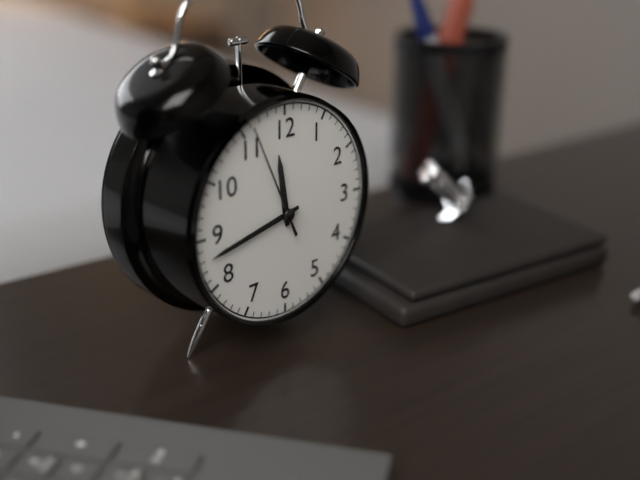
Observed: 11h43m56s
